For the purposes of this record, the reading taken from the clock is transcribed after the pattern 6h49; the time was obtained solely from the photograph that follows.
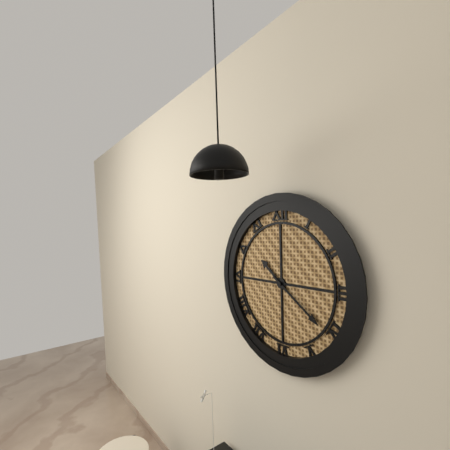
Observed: 10h21
